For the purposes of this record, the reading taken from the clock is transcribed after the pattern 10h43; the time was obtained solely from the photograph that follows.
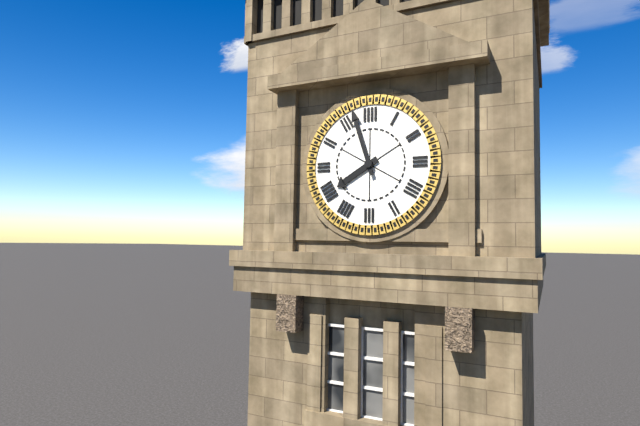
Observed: 7h57
